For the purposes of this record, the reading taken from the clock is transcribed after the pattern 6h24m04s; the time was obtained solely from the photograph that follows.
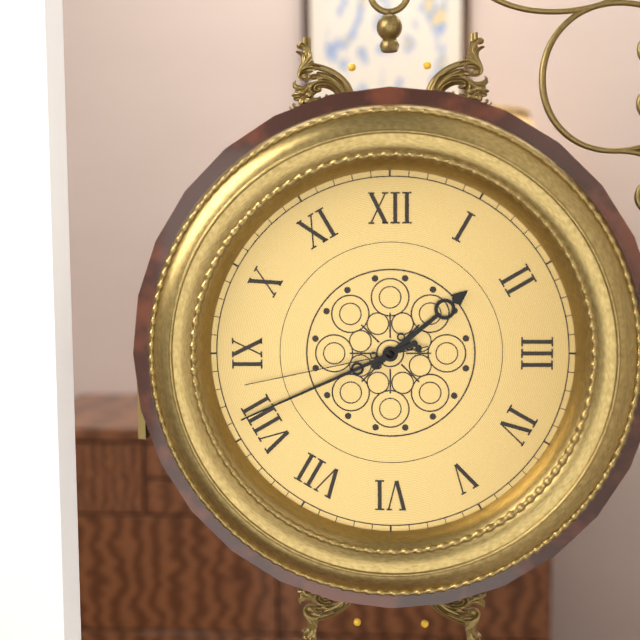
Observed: 1h41m43s
